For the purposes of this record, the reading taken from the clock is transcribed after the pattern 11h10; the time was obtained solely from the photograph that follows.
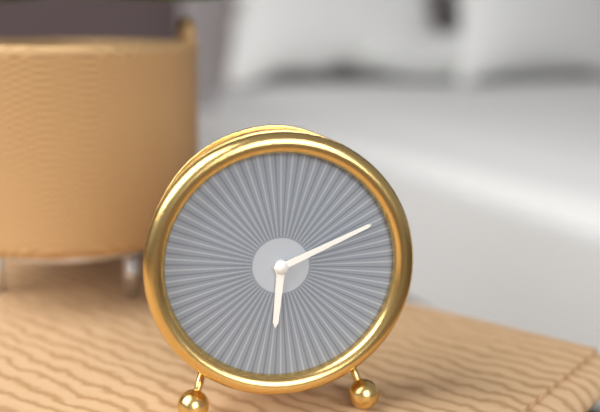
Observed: 6h11
